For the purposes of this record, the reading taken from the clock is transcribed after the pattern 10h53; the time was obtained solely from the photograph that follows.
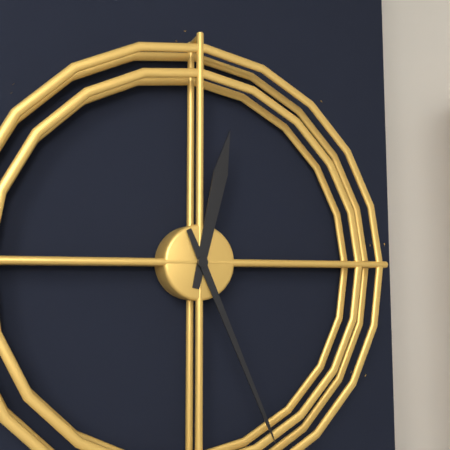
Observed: 12h26
